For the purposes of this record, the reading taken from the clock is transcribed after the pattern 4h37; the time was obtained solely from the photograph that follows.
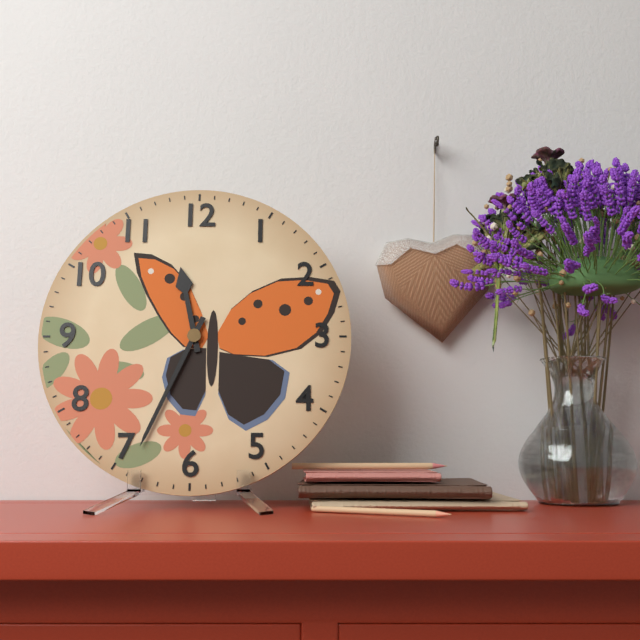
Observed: 11h34
